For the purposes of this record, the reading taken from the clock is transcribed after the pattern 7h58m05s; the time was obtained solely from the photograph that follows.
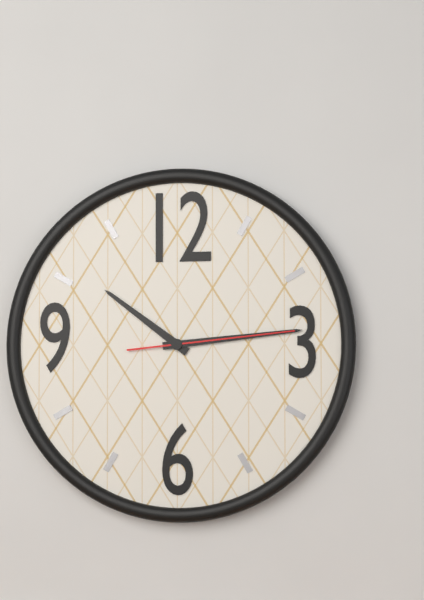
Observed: 10h14m14s
